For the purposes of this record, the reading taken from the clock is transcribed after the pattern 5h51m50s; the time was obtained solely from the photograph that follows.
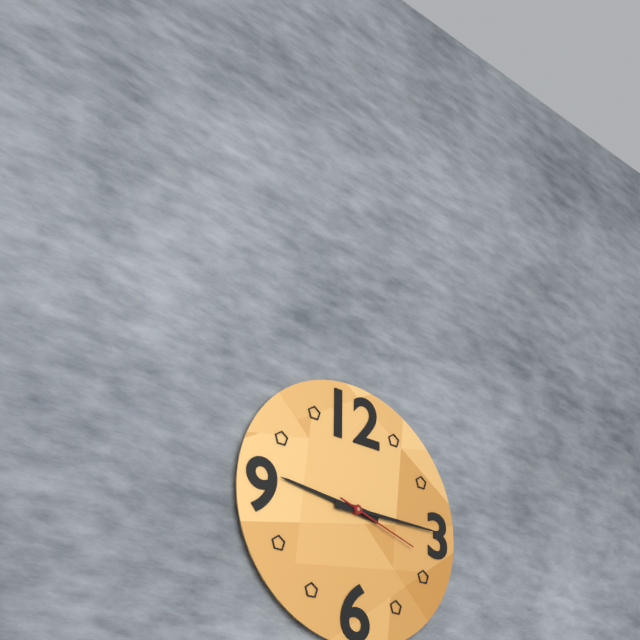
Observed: 9h15m18s
